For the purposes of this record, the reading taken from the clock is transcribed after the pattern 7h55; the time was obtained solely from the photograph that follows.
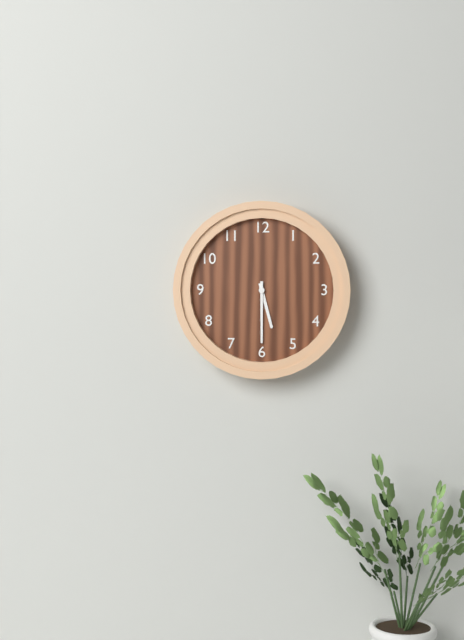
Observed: 5h30
